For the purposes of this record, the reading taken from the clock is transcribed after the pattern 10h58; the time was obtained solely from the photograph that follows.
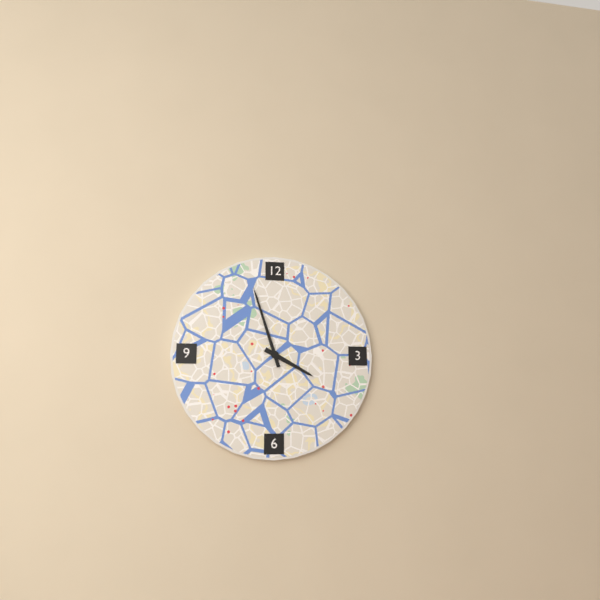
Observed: 3h57
